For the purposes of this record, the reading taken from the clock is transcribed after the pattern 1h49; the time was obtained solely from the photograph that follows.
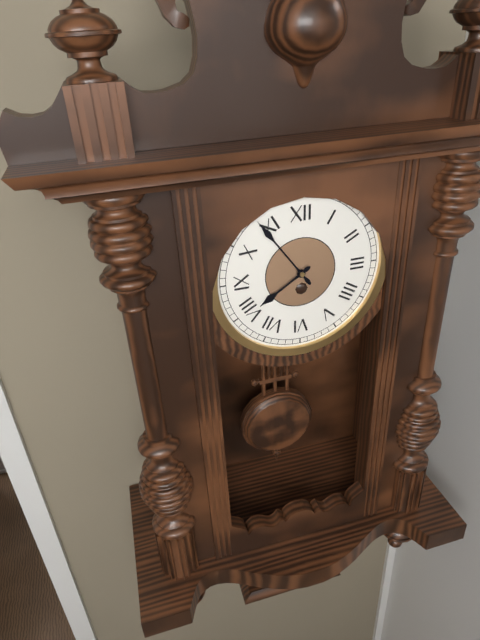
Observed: 7h54
